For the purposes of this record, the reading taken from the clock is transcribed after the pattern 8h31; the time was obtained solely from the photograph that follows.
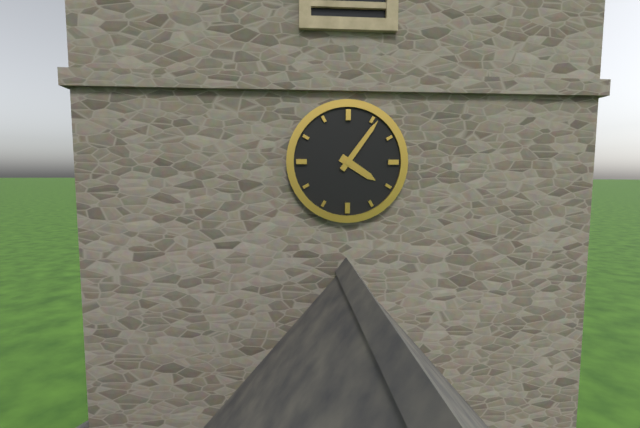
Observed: 4h06
